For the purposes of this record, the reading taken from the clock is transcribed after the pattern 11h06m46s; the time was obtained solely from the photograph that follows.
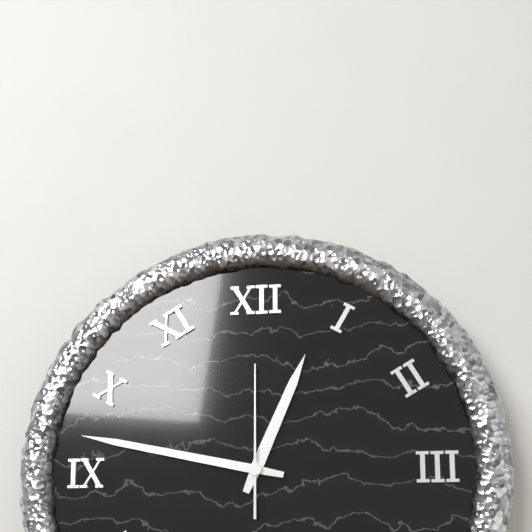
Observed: 12h47m00s
